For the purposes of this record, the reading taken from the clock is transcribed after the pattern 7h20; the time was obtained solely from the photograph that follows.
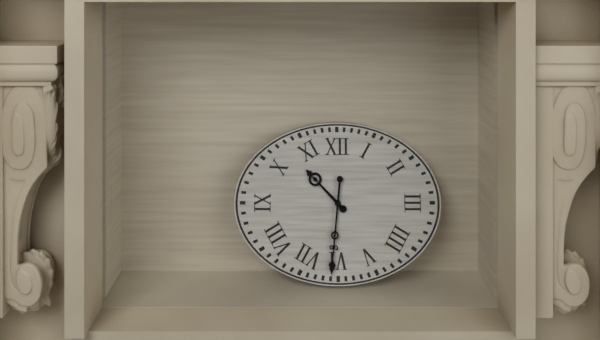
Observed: 10h31
